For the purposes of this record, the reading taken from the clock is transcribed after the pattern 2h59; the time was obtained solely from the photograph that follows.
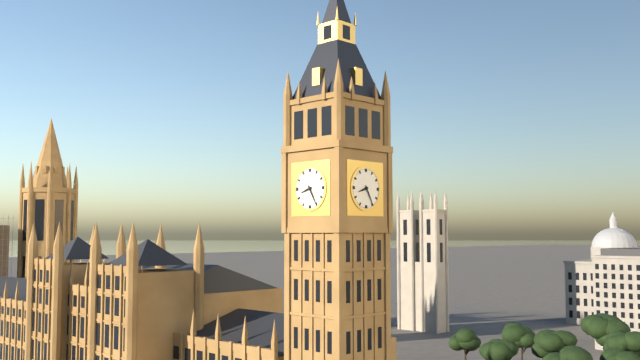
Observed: 8h25
